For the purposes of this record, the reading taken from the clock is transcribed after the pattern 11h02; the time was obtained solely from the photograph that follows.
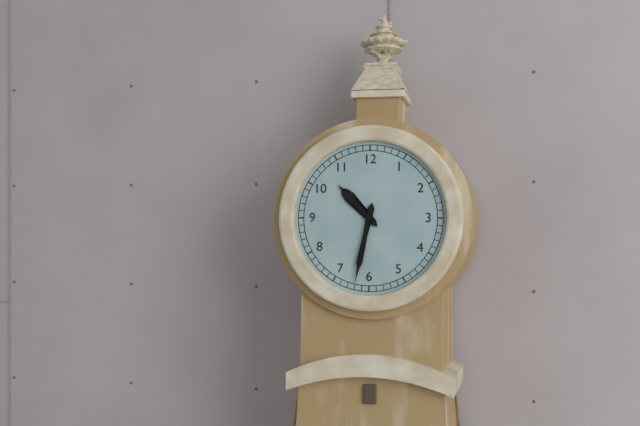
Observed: 10h32
